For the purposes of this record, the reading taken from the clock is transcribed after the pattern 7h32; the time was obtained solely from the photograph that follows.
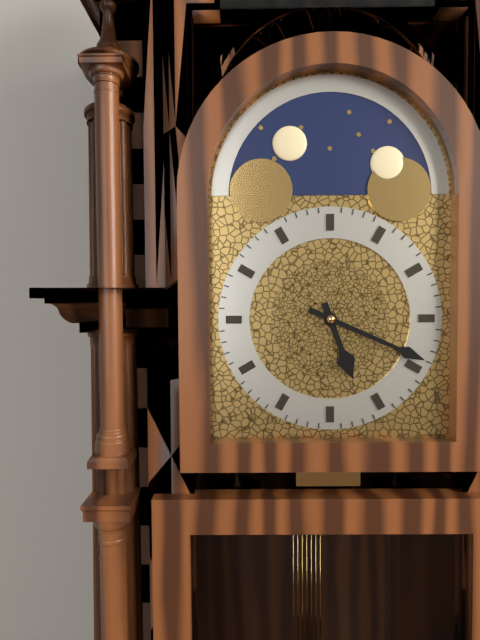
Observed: 5h19
